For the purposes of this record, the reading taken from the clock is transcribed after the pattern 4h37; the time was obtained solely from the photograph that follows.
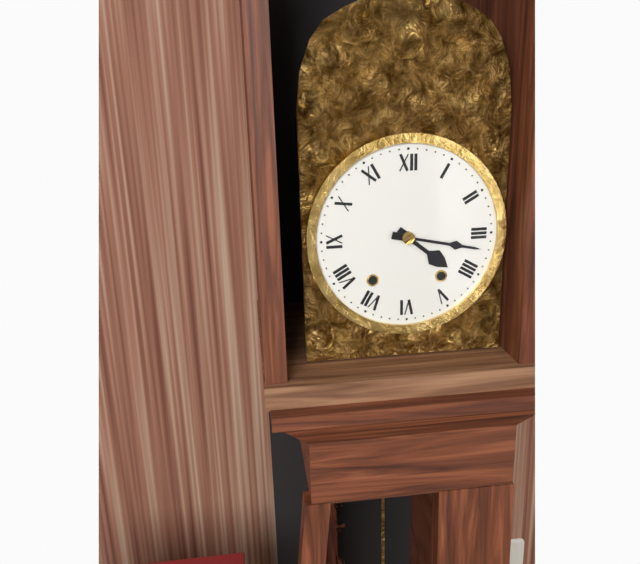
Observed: 4h17
